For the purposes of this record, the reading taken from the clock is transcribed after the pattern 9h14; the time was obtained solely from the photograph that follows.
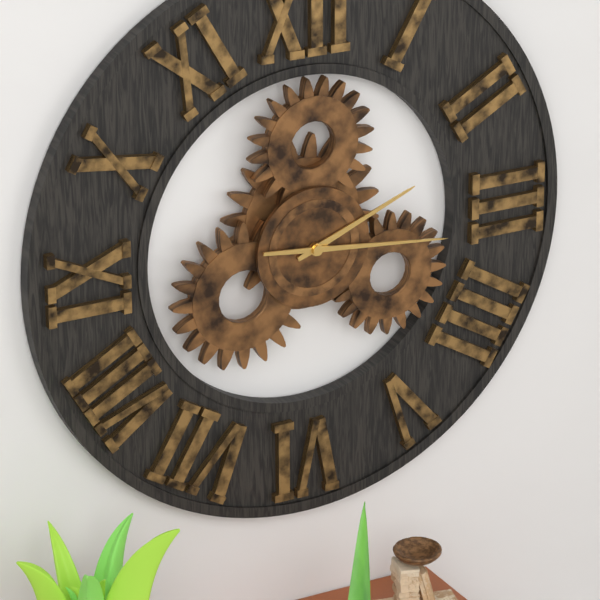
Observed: 2h16
